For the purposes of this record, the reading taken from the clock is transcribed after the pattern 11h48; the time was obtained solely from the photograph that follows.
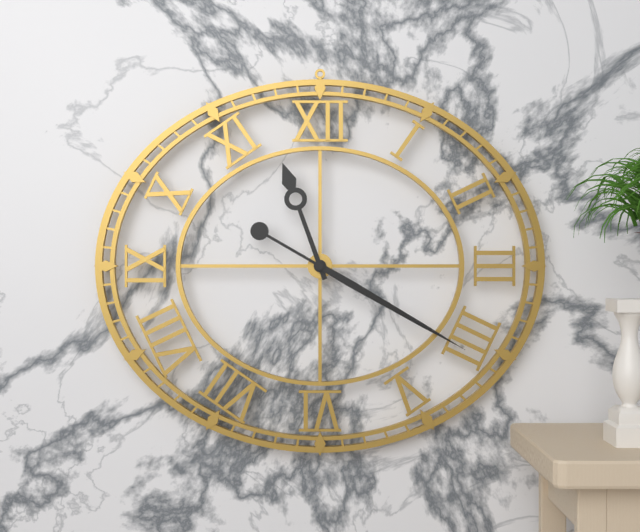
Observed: 11h20
